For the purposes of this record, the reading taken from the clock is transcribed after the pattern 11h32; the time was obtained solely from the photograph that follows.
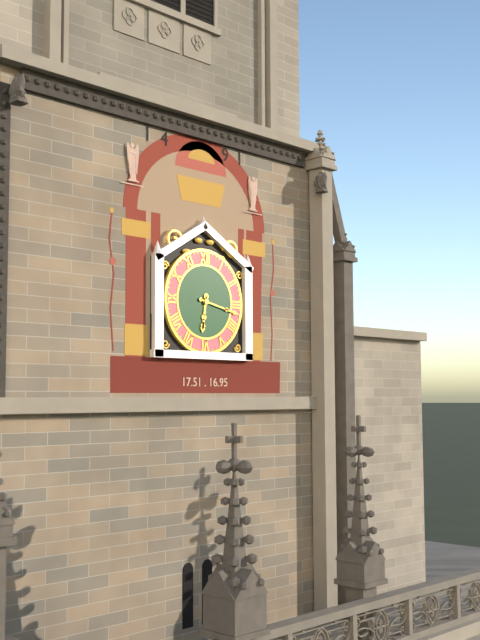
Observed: 6h17
